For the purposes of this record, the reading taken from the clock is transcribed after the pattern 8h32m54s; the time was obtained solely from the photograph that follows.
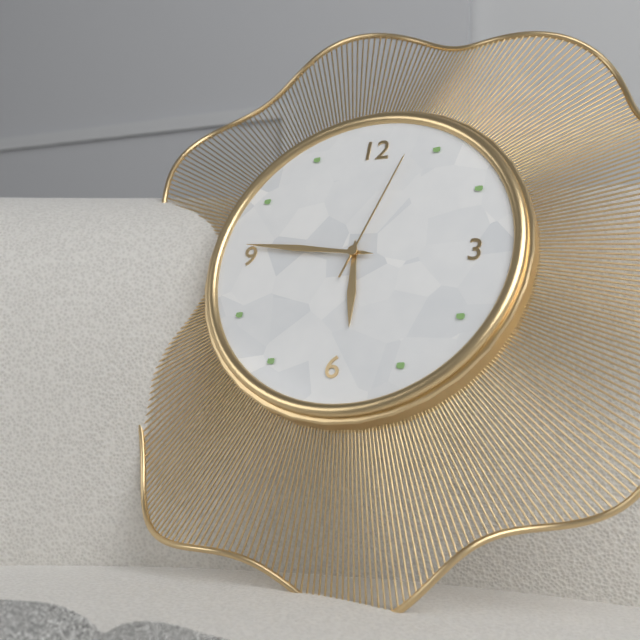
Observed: 5h46m03s
